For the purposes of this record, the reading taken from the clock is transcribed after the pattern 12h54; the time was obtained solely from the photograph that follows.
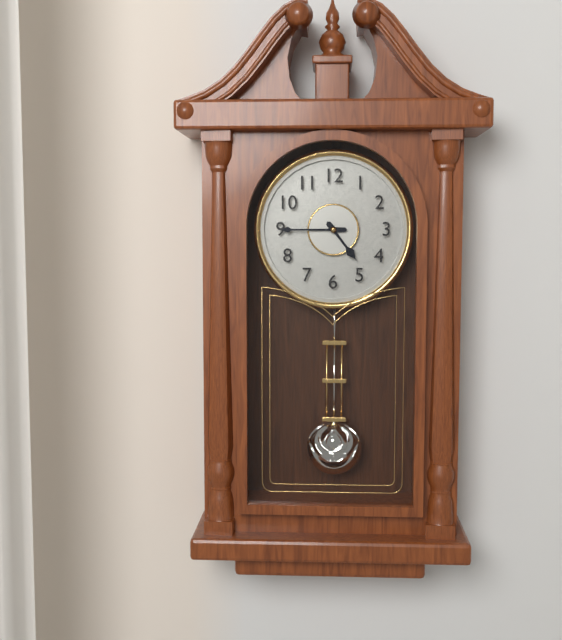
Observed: 4h45
